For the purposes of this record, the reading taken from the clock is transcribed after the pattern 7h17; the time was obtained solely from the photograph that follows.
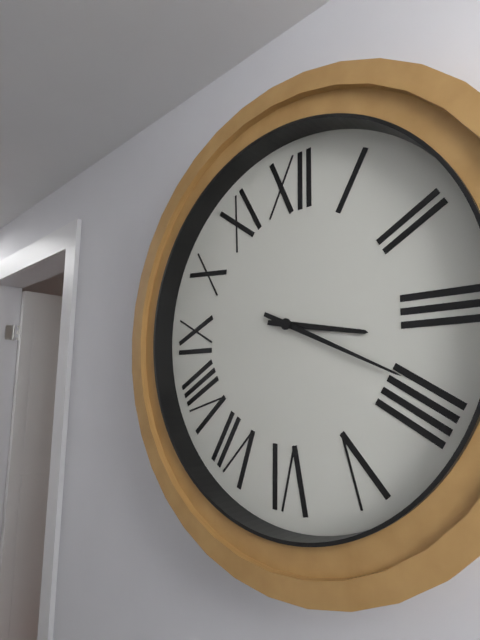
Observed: 3h19
